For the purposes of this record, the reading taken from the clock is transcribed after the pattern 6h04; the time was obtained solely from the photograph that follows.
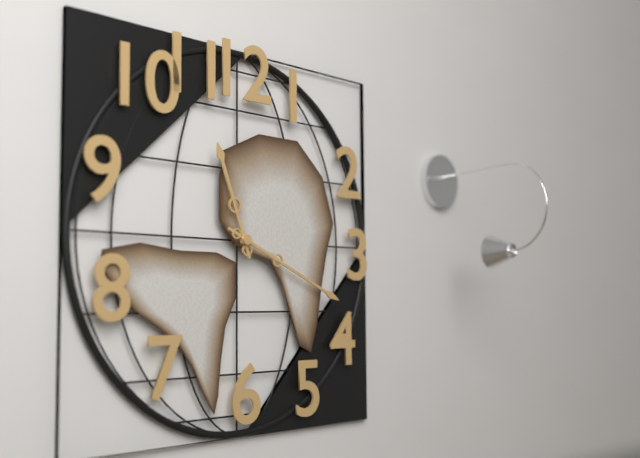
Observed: 11h19
